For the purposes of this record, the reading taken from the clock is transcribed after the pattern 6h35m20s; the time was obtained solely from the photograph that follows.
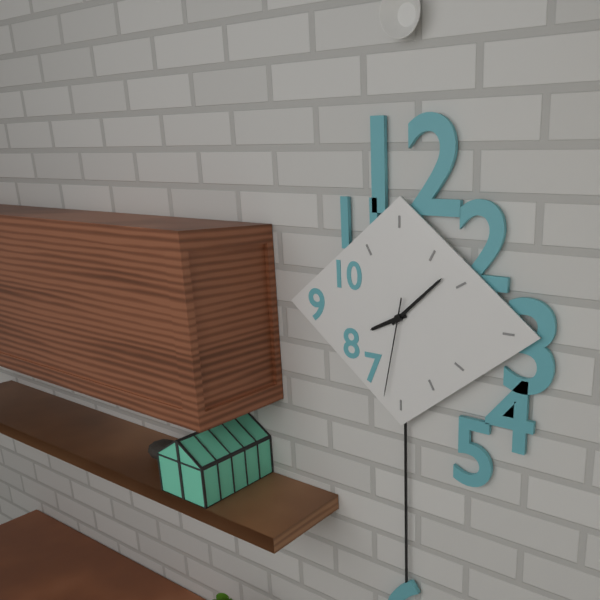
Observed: 8h08m32s
